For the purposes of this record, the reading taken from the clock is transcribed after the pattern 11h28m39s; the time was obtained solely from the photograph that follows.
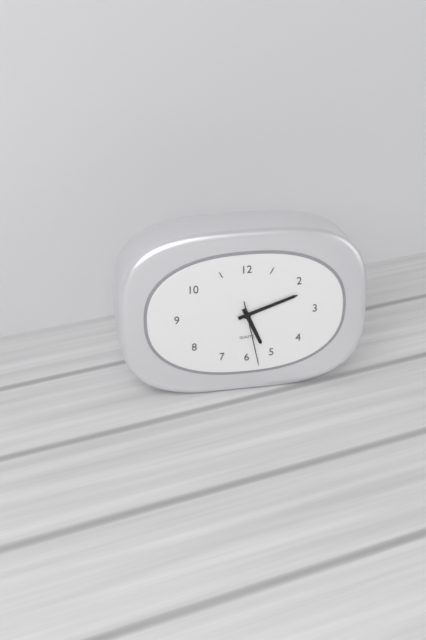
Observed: 5h12m28s
